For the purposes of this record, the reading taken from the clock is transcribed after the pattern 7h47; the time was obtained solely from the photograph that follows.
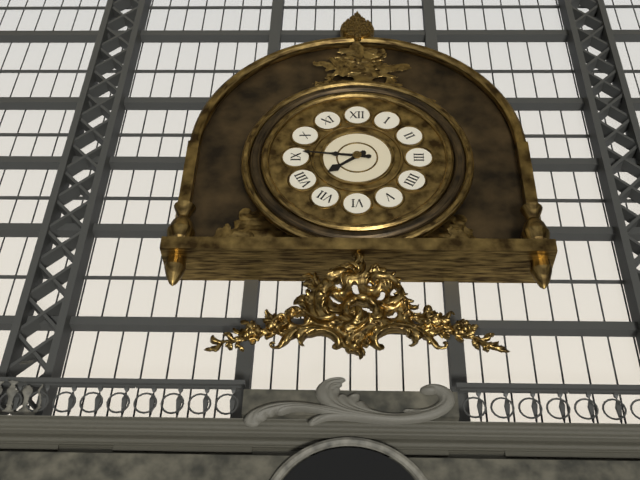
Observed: 7h46
